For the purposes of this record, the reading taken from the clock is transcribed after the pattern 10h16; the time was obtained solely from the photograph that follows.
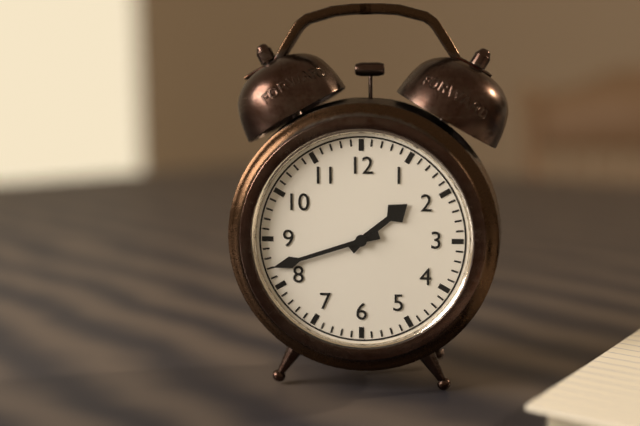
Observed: 1h42
